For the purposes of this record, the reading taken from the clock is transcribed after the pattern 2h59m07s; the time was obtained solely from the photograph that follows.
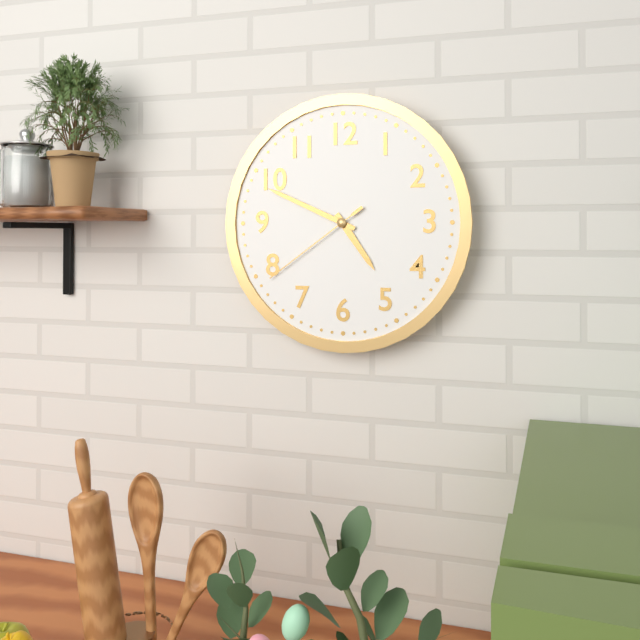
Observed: 4h49m39s
